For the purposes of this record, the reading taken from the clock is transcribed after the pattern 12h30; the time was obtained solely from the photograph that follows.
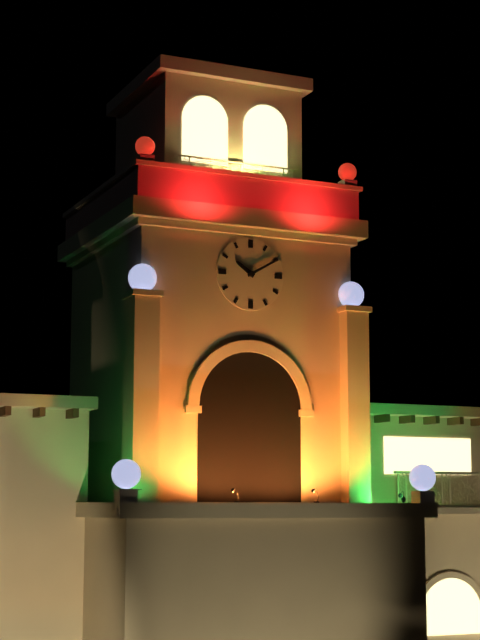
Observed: 10h10
